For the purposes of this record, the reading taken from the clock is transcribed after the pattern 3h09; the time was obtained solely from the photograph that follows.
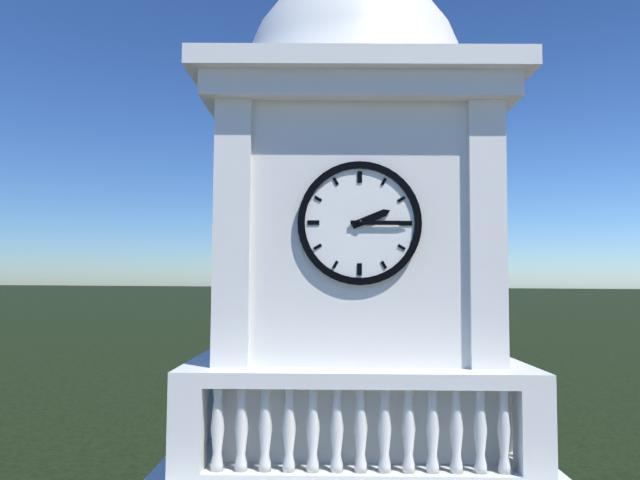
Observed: 2h15
